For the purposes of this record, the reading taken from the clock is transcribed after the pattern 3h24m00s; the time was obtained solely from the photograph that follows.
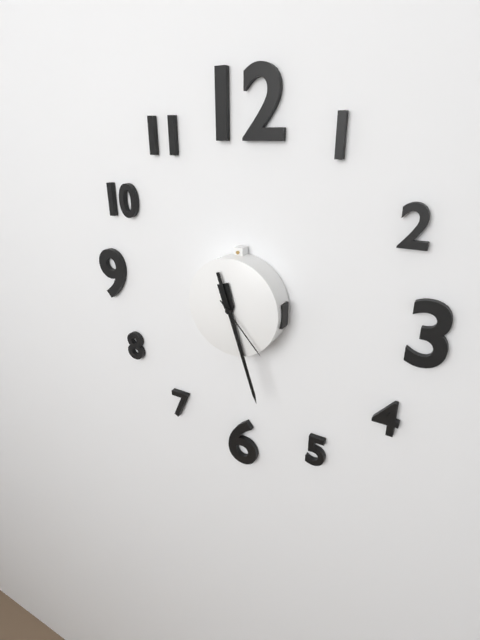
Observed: 5h27m23s
